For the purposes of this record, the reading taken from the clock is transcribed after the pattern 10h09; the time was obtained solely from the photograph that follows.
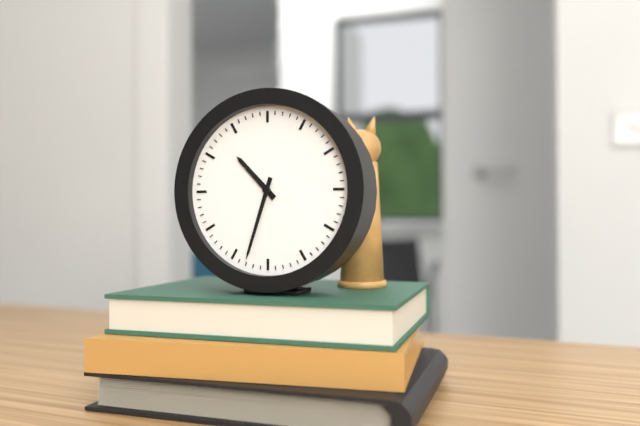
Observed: 10h33
